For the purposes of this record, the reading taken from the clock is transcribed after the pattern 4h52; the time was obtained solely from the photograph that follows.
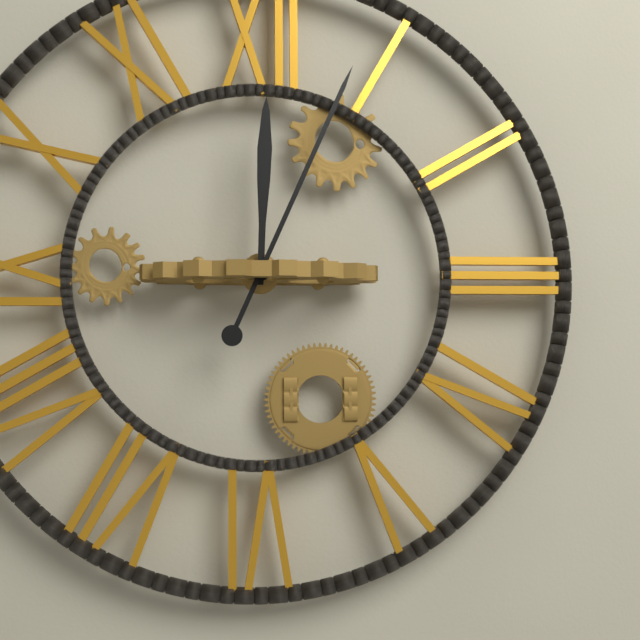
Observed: 12h04
